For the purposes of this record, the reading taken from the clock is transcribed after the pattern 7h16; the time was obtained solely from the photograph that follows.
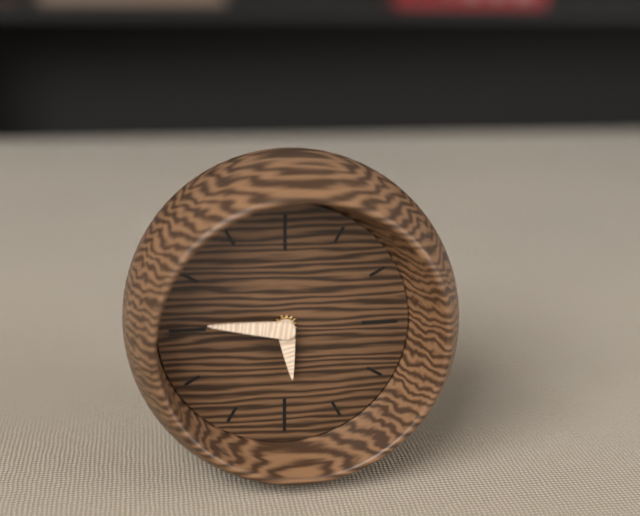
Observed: 5h46
